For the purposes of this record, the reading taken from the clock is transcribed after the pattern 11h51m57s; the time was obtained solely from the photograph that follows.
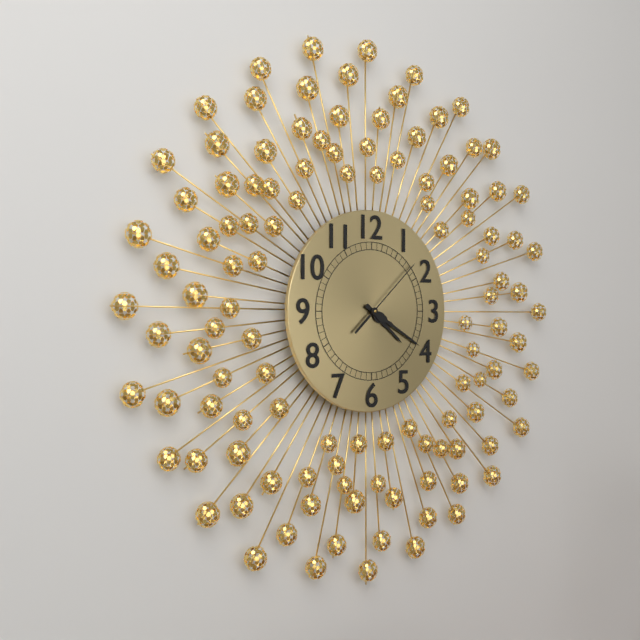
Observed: 4h20m08s
